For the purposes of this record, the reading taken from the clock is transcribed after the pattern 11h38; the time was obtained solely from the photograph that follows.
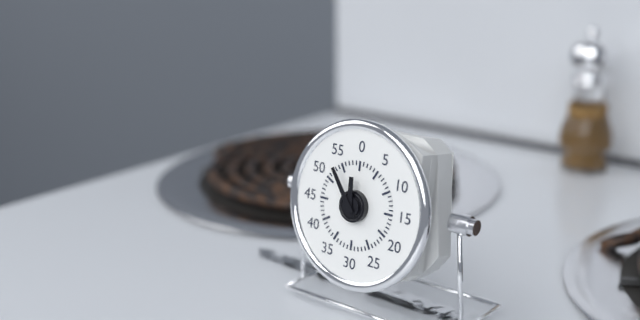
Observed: 11h54
